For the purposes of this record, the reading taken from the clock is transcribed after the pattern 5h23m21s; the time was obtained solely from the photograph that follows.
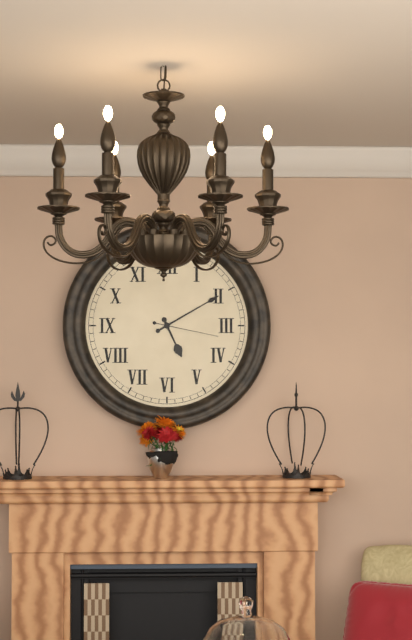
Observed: 5h10m17s
